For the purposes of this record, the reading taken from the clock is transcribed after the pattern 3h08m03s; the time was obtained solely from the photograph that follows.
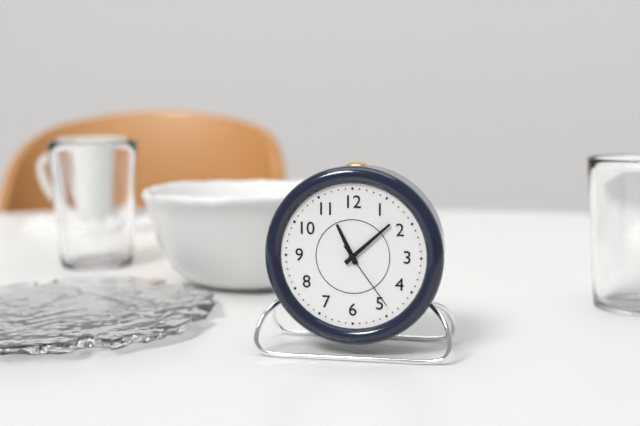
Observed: 11h08m24s
